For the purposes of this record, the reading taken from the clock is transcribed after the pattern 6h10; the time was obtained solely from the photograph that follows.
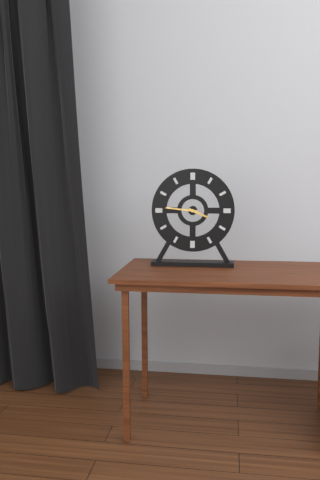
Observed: 3h46
